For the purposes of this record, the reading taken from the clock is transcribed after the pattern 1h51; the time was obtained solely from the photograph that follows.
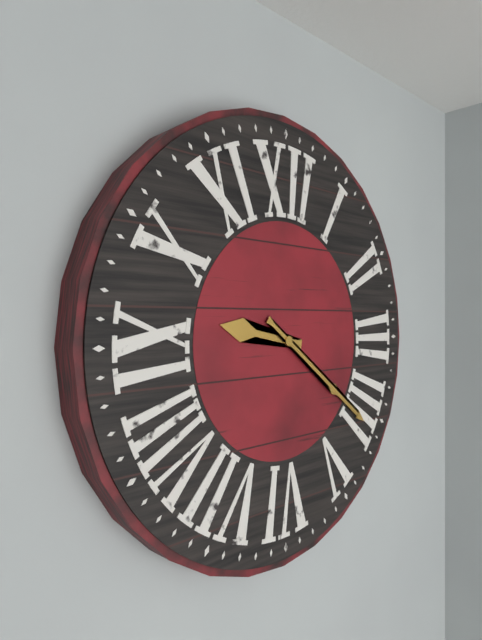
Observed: 9h21
